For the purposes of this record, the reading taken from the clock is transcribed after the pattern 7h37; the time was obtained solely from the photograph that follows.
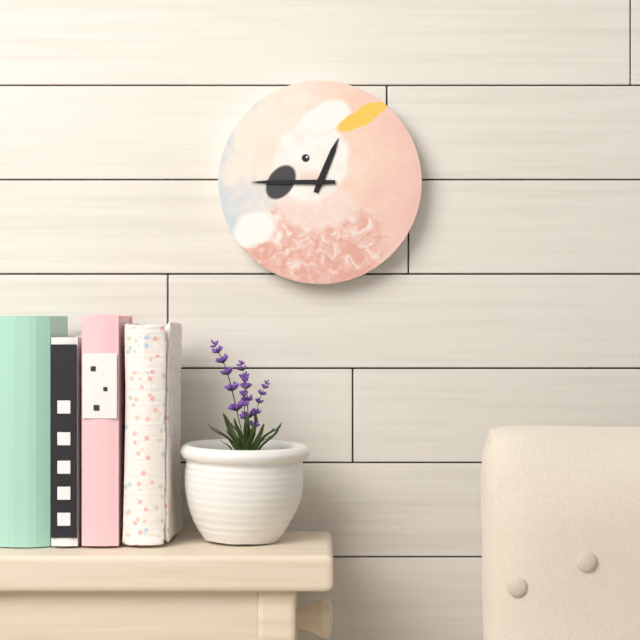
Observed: 12h45
